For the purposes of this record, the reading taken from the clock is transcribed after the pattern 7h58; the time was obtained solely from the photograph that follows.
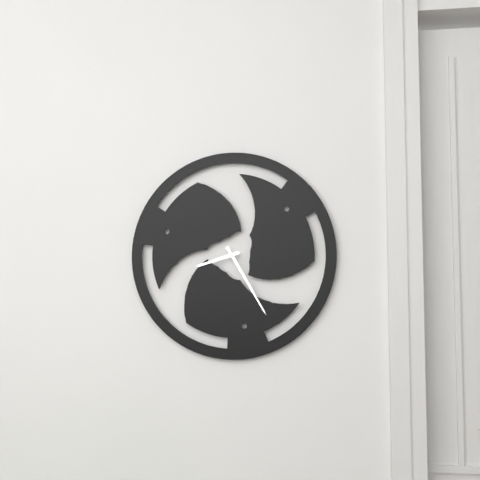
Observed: 8h25
